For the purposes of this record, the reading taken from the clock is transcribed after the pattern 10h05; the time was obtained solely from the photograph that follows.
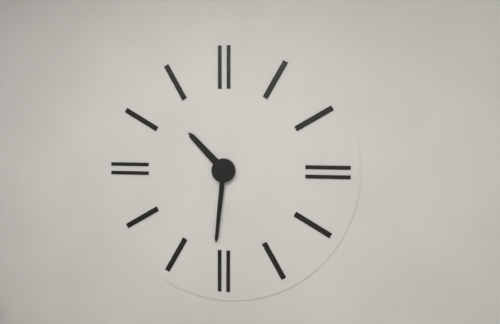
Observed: 10h31
